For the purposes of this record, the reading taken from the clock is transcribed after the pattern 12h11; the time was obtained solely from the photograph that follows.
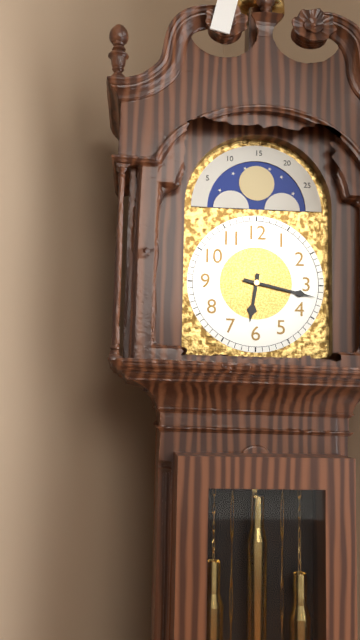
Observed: 6h17
